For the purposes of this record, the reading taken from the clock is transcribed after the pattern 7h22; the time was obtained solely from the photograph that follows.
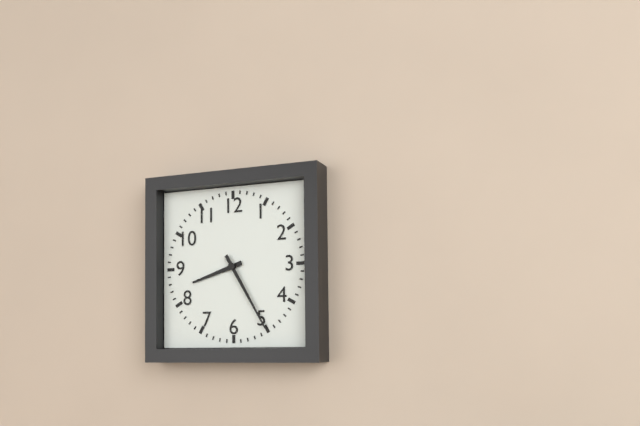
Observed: 8h25
